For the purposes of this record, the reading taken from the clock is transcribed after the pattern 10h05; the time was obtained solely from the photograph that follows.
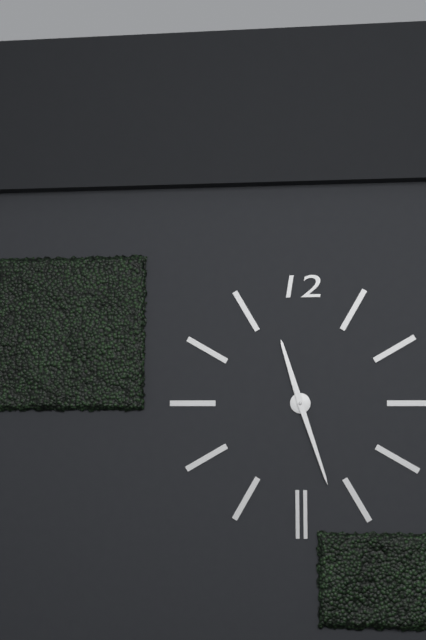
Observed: 11h27
